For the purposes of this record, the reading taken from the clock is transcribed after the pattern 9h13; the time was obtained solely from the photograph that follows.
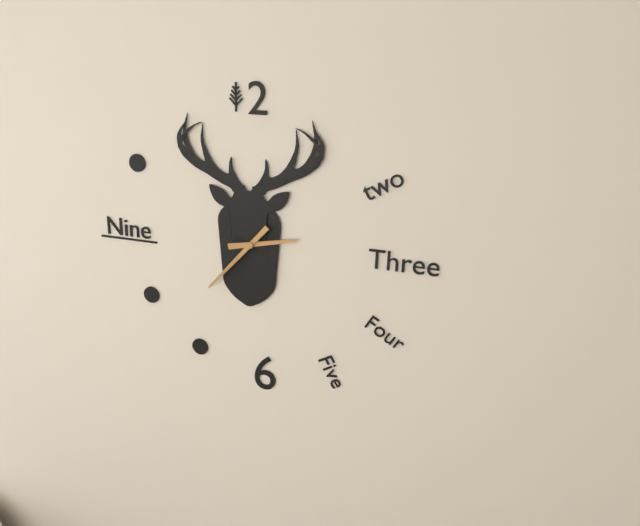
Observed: 2h37
